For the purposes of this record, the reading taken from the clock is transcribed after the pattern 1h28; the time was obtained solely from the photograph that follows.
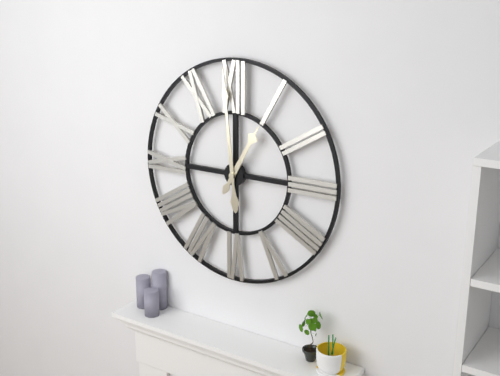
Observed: 12h59
